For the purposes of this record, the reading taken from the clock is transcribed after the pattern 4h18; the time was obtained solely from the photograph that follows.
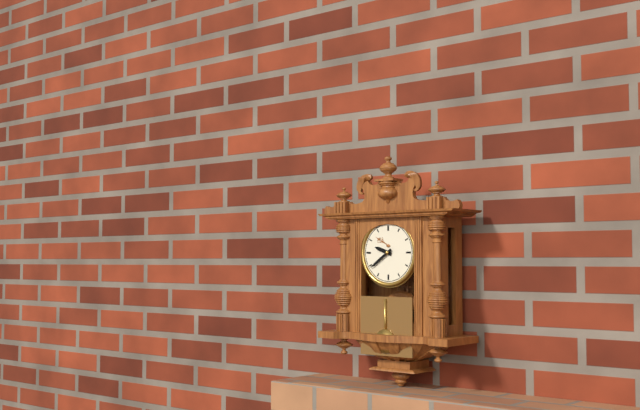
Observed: 9h39
